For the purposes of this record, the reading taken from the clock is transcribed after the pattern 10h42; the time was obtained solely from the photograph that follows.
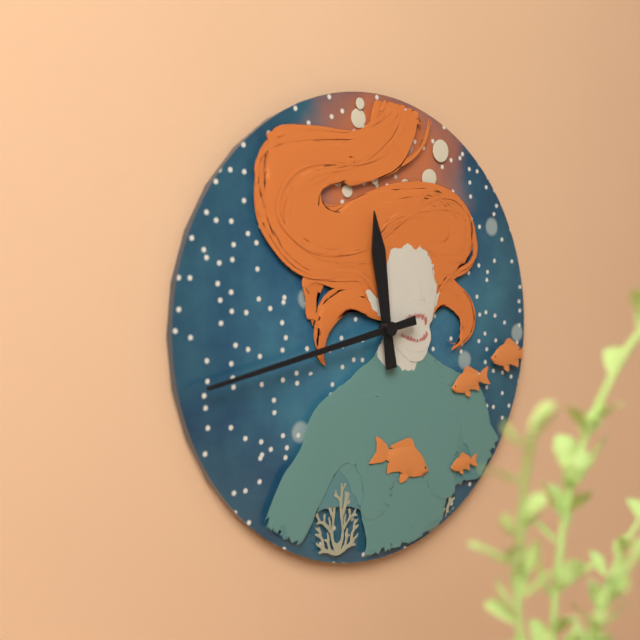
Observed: 11h43
